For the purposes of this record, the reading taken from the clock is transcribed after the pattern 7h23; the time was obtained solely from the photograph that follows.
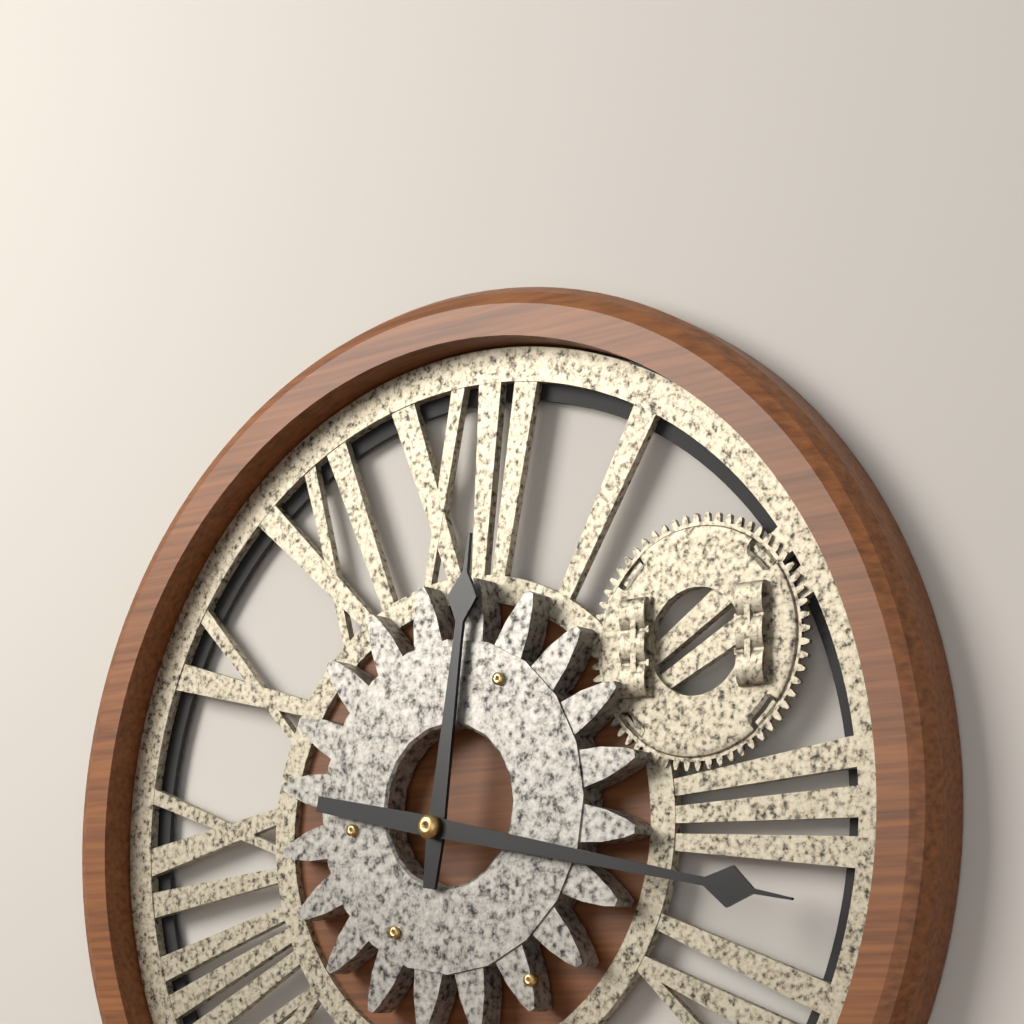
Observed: 12h17
